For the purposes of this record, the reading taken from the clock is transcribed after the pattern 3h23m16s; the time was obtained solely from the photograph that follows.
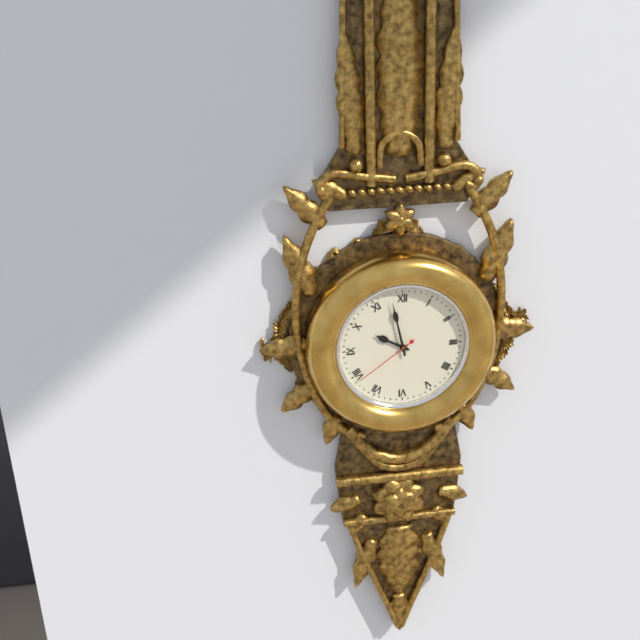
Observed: 9h58m39s
